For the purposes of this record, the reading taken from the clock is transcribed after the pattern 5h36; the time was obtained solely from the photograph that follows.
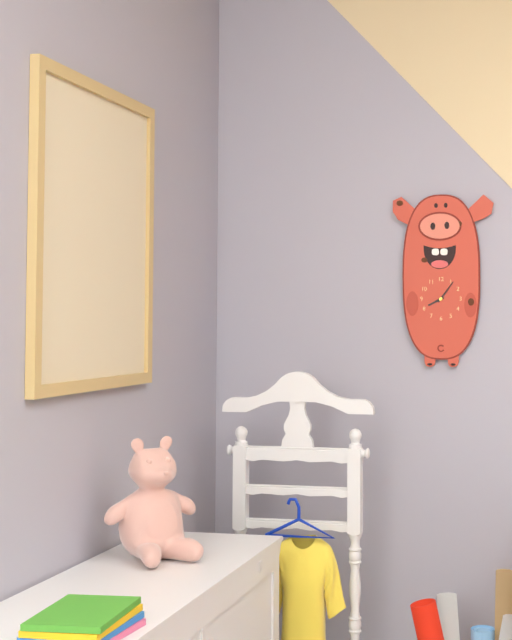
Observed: 8h06
